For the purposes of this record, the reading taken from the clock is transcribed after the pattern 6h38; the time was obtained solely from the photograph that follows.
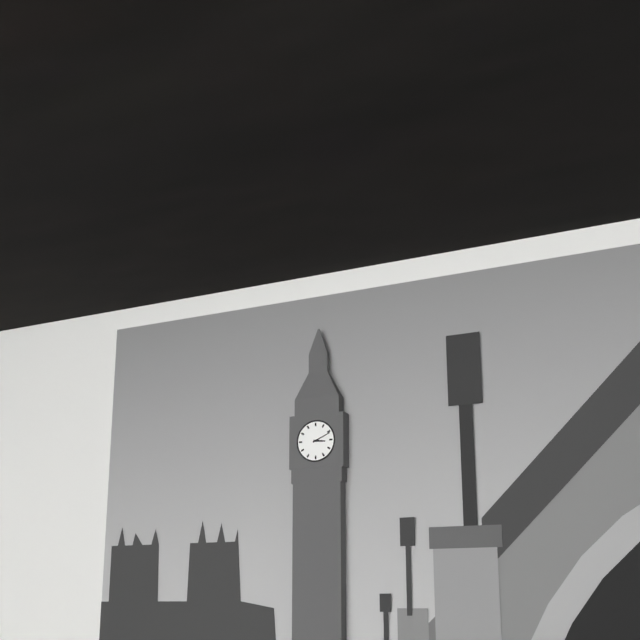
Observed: 3h11
